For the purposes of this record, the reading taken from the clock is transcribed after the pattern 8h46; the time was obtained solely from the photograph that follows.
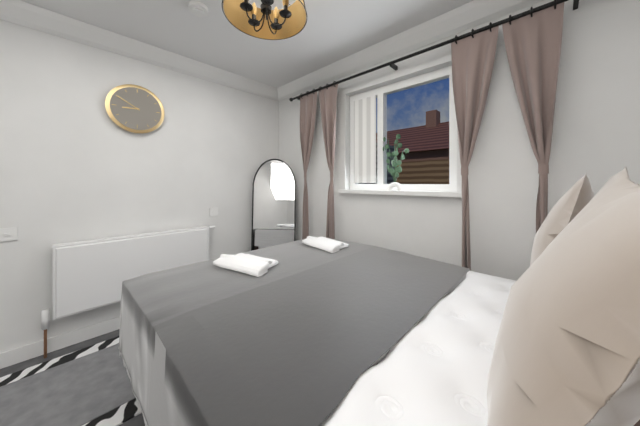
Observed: 8h50
